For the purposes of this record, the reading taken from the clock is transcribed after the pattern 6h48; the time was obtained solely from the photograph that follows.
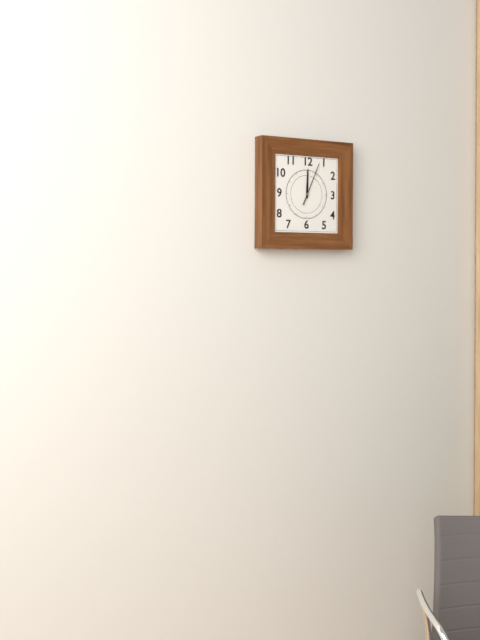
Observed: 12h04
